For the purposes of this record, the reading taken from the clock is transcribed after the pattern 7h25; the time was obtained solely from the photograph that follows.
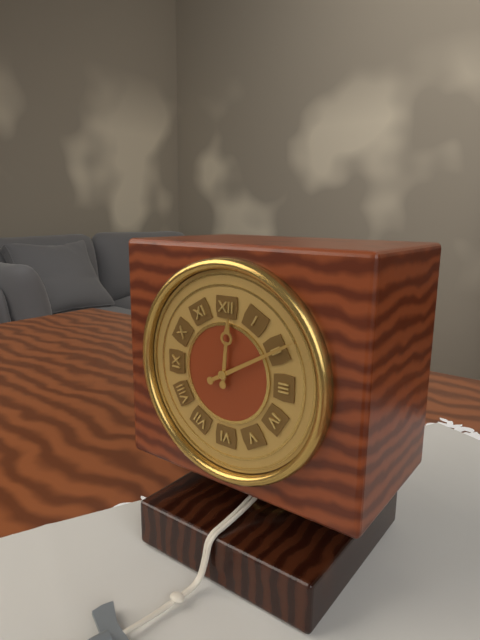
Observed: 12h10
